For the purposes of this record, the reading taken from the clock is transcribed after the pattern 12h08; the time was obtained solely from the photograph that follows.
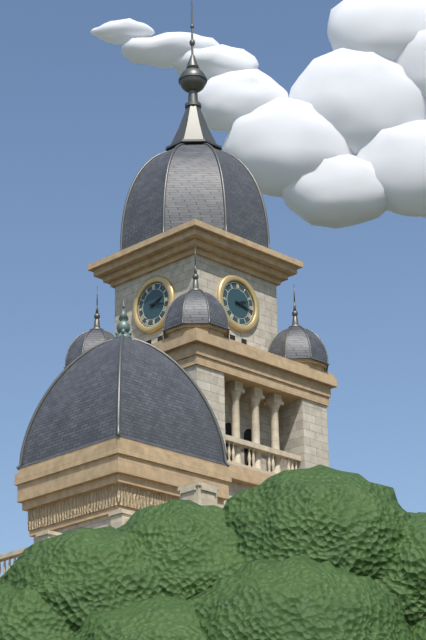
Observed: 2h17
